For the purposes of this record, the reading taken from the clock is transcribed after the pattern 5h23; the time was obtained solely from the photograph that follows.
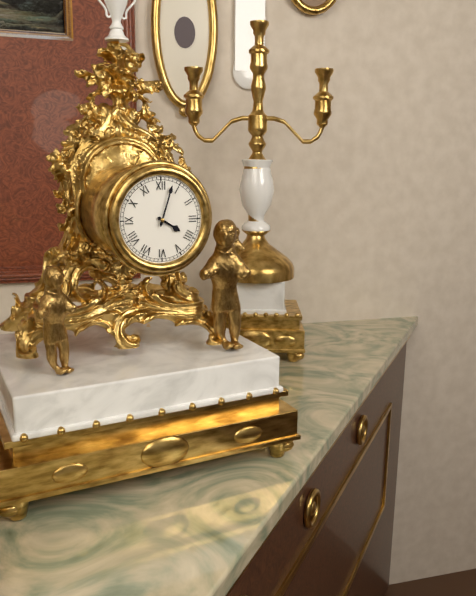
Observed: 4h03
